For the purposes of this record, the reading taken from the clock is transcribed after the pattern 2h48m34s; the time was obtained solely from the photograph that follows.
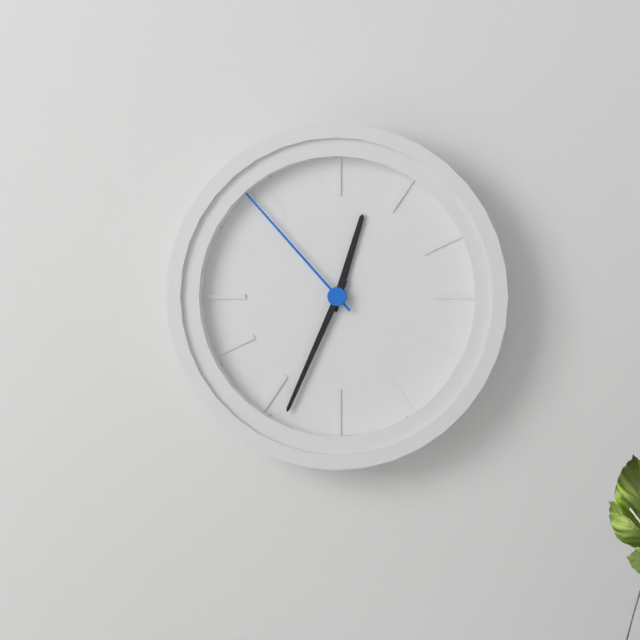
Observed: 12h34m53s
